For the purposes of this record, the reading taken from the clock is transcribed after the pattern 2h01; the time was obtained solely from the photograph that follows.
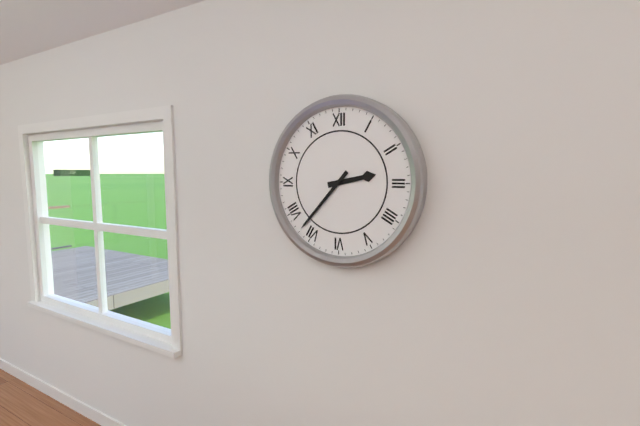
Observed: 2h37
